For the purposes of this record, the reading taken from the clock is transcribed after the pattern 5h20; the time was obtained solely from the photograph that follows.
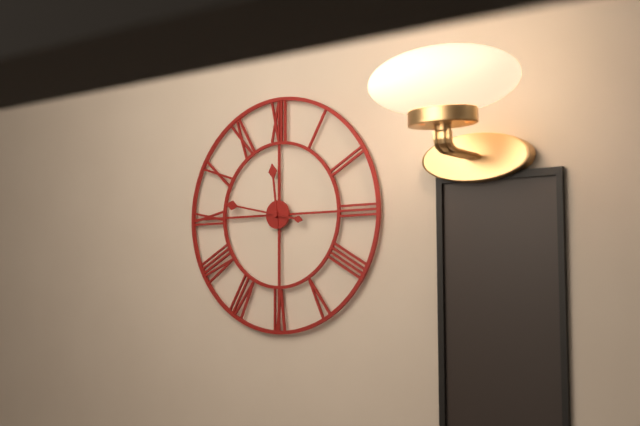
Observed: 11h47
